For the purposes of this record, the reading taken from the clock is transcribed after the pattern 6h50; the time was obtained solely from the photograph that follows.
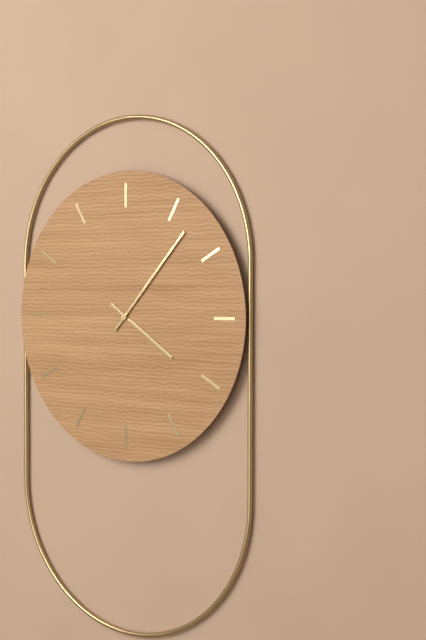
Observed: 4h07
